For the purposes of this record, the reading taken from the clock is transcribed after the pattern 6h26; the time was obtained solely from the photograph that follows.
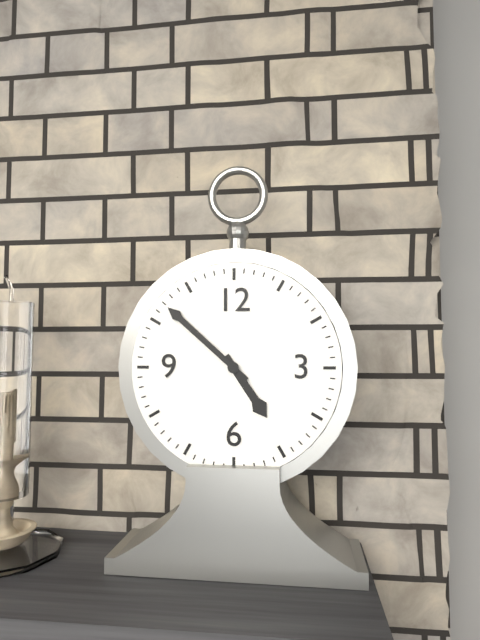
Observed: 4h52
